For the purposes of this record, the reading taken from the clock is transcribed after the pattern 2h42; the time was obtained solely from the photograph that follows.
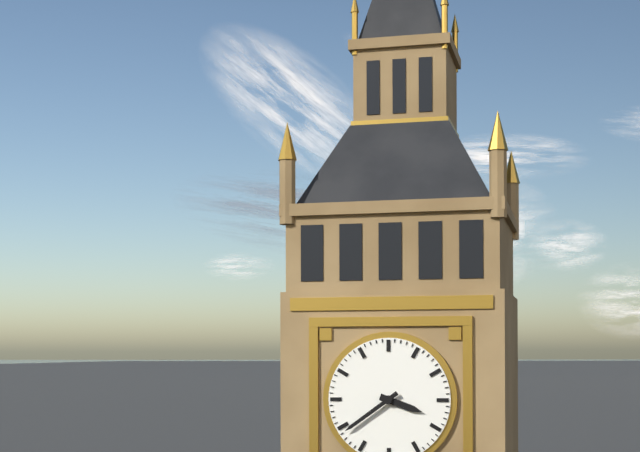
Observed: 3h39
